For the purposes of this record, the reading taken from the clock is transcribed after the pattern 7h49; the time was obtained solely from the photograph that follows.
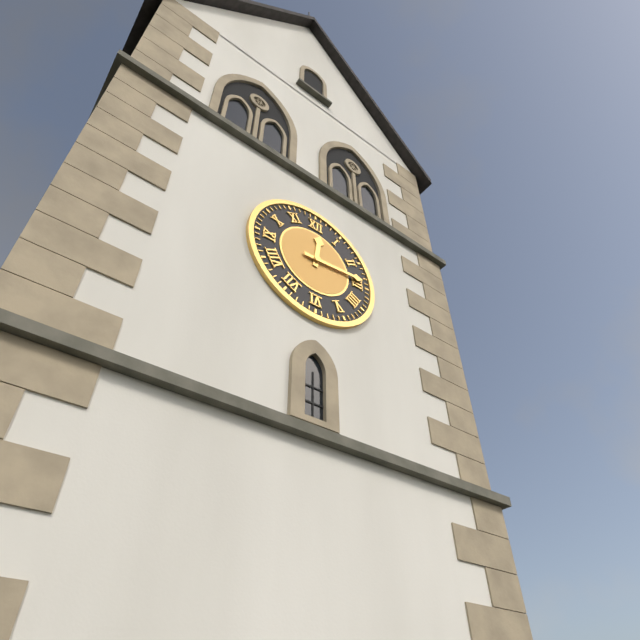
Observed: 12h14
